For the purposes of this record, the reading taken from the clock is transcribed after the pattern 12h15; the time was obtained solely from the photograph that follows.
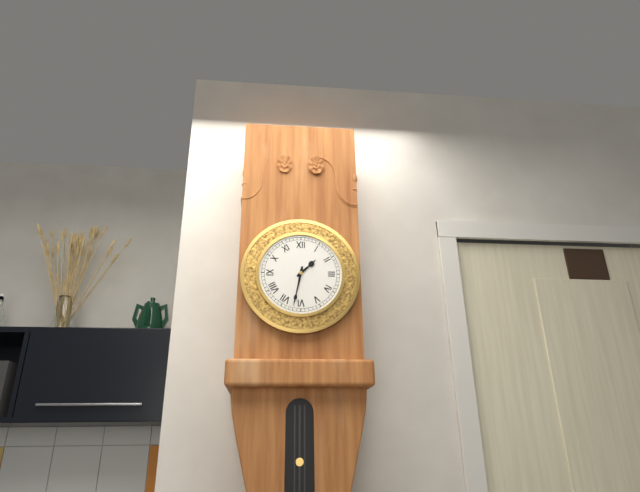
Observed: 1h32
